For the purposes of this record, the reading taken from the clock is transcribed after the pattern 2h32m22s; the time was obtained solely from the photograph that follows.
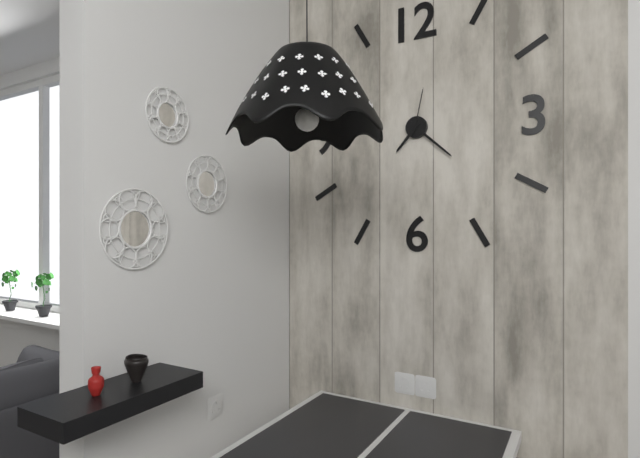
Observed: 7h22m02s
